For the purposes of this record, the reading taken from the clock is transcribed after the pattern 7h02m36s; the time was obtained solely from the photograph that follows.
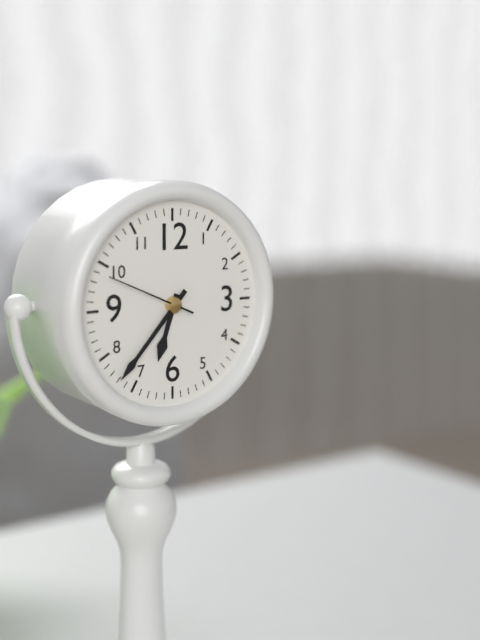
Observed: 6h37m49s
